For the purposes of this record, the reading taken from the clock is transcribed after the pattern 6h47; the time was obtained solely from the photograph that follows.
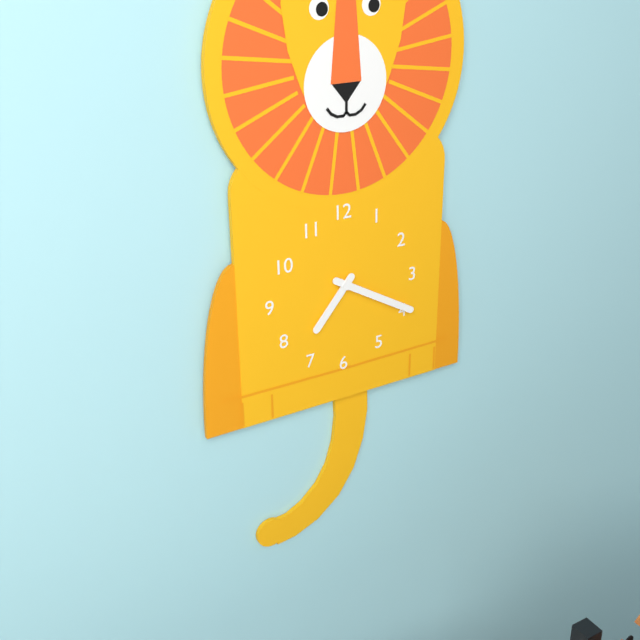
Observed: 7h20
